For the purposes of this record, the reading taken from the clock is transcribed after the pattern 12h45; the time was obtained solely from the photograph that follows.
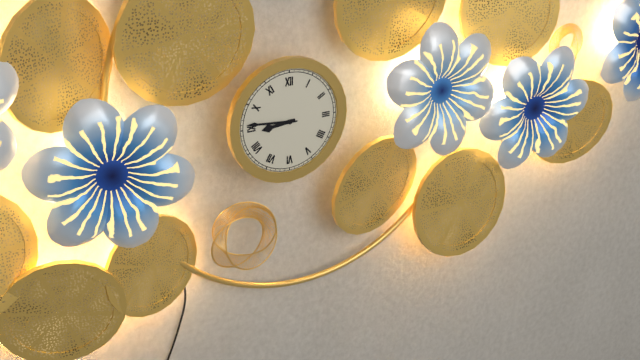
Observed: 8h46
